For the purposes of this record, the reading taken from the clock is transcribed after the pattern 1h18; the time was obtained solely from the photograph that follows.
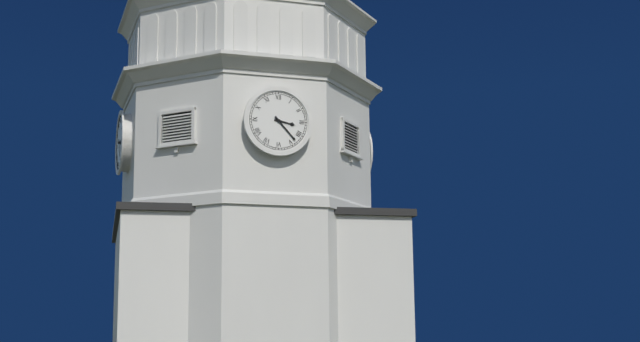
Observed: 3h23
